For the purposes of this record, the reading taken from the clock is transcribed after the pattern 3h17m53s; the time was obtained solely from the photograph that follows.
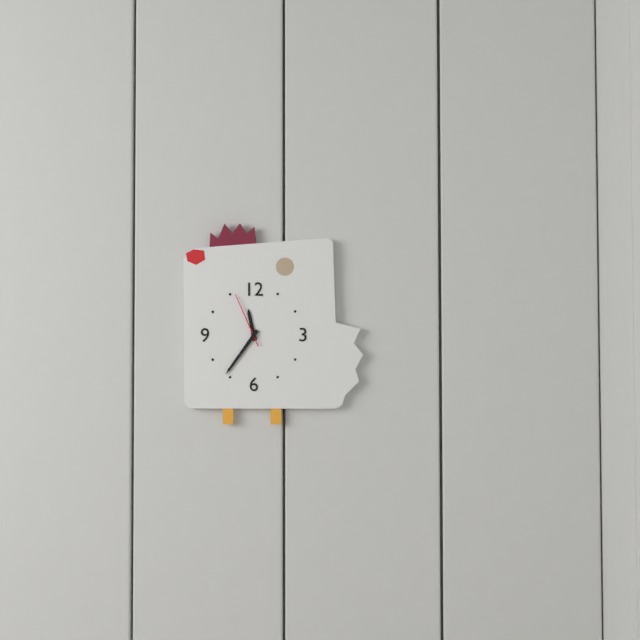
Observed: 11h36m56s
